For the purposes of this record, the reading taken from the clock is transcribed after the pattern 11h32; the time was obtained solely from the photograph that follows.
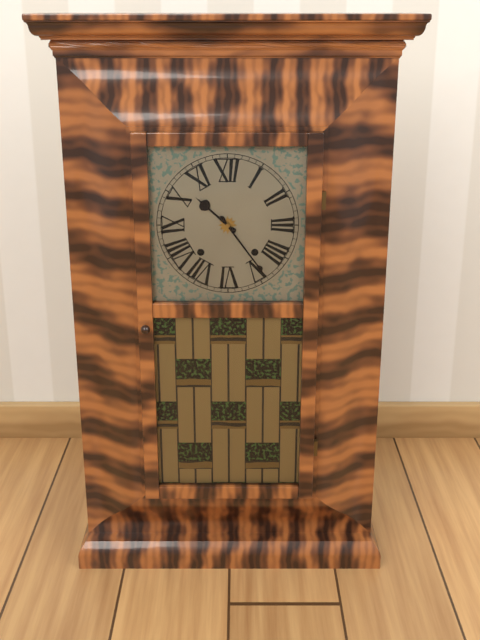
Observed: 10h24
